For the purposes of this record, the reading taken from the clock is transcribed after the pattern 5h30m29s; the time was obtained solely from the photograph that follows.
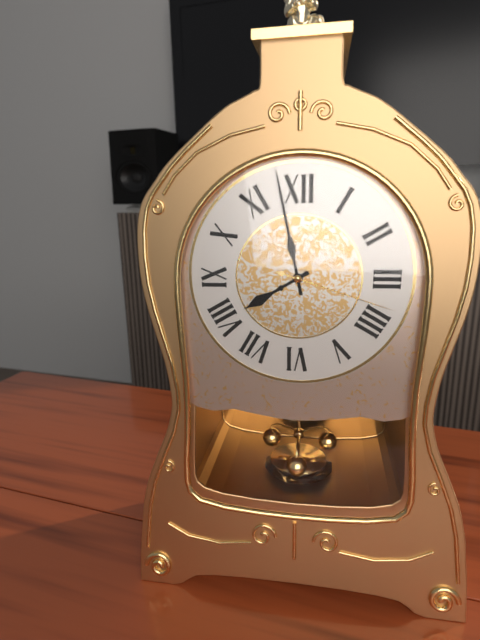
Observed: 7h58m18s
